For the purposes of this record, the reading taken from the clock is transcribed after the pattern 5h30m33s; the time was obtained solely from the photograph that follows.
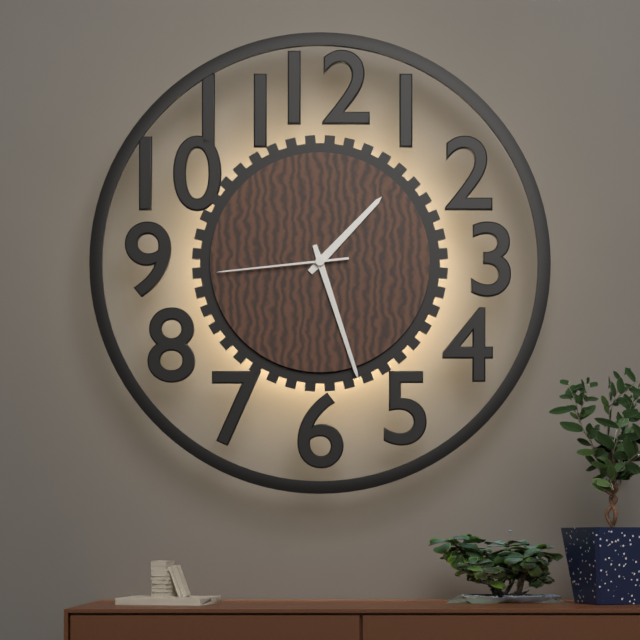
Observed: 1h27m44s
